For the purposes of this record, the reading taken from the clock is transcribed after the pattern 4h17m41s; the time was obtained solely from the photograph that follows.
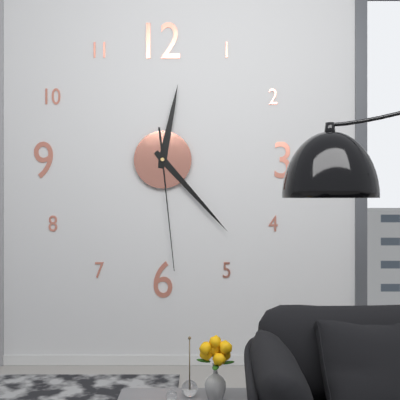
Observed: 12h23m29s
